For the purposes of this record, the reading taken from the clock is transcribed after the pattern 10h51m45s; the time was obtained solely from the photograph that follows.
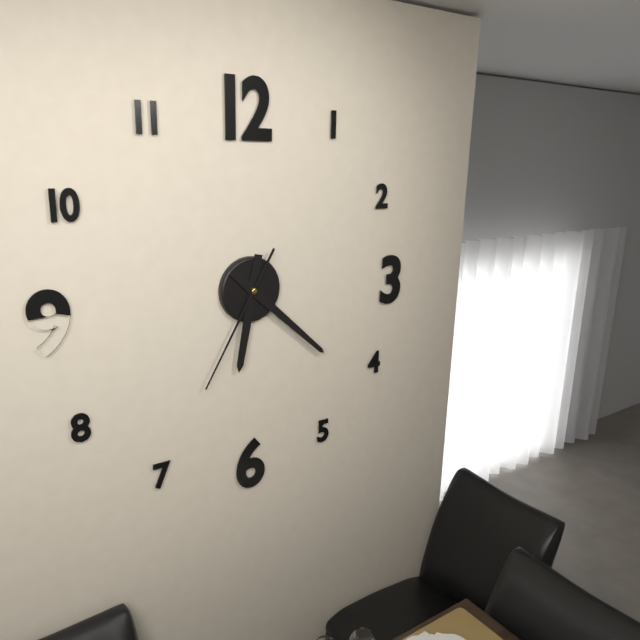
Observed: 6h22m35s
